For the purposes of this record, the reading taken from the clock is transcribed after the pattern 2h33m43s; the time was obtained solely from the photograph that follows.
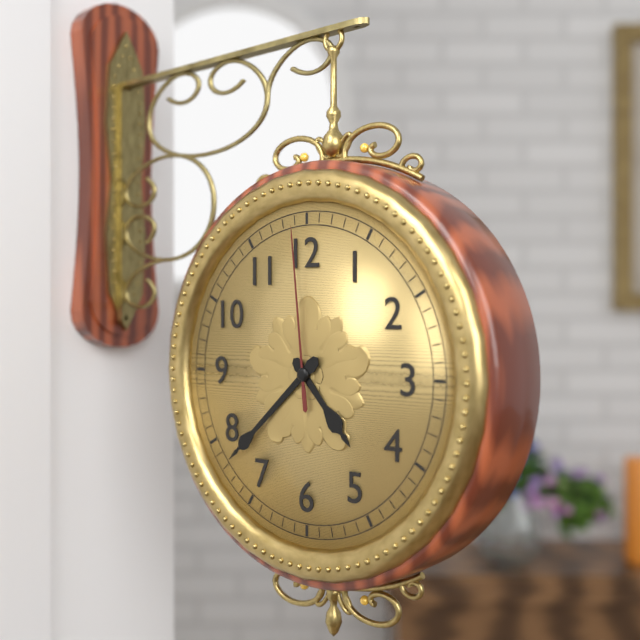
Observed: 4h38m59s
